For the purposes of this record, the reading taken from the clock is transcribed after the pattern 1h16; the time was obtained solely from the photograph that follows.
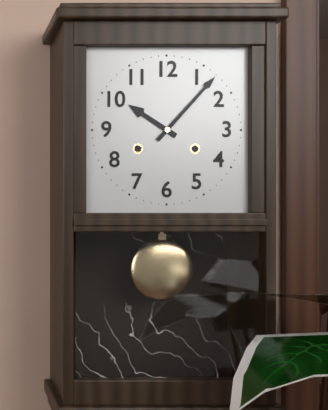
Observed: 10h07
